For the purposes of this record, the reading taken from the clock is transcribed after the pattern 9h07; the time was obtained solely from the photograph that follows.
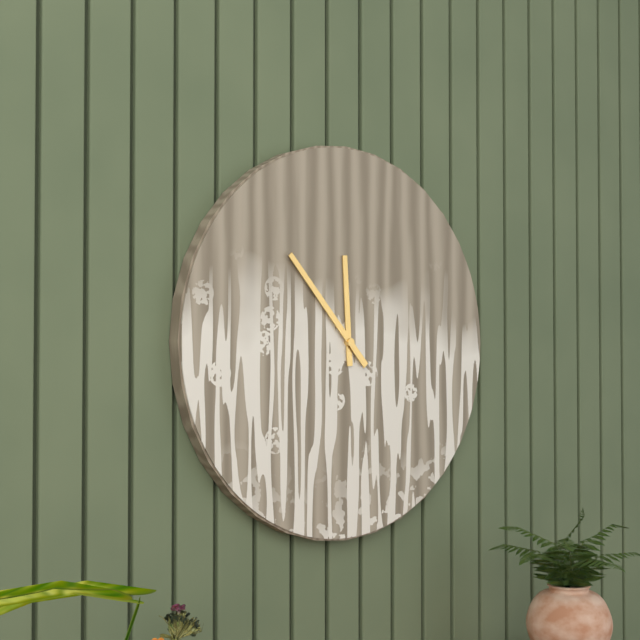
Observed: 11h53
